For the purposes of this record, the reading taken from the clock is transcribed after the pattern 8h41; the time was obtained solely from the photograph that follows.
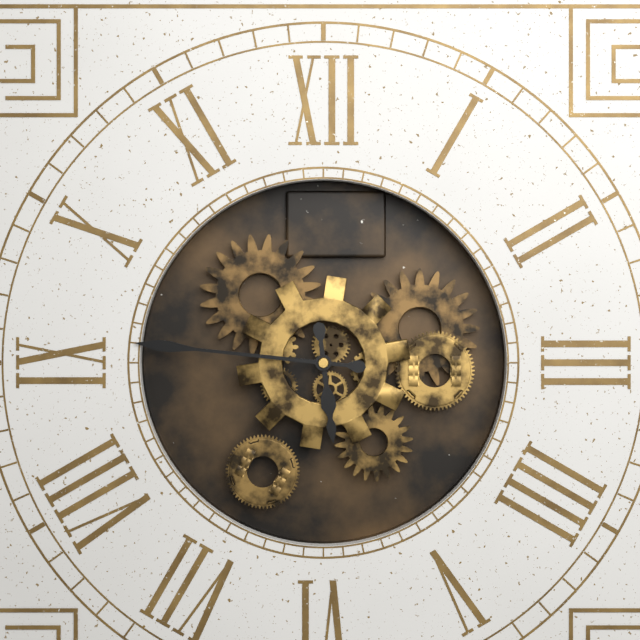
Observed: 5h46
